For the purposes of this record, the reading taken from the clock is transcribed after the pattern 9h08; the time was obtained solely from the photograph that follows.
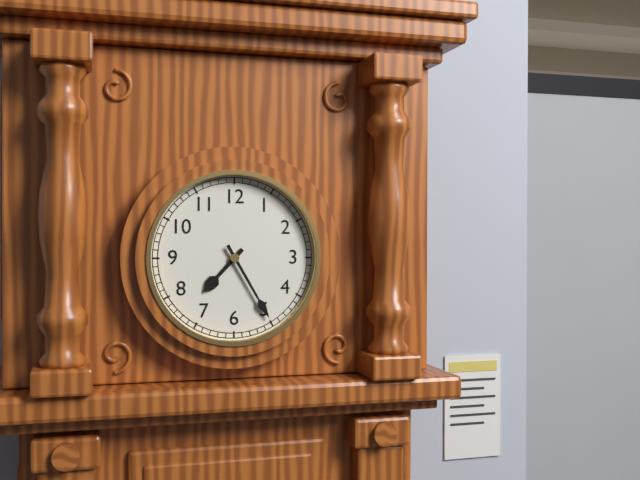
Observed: 7h25
